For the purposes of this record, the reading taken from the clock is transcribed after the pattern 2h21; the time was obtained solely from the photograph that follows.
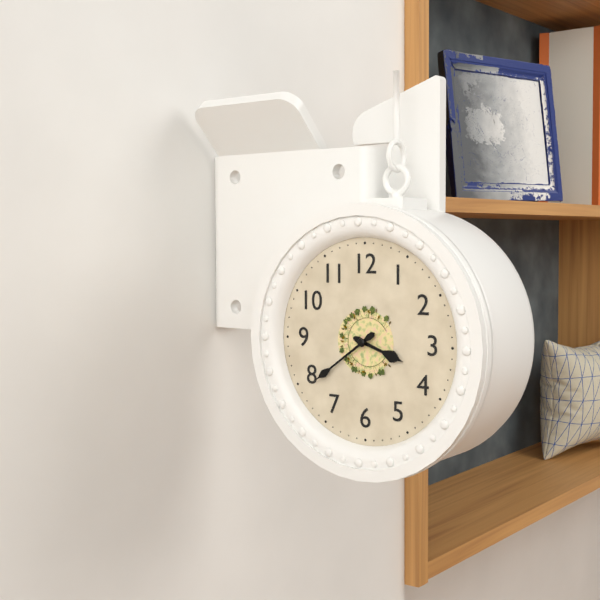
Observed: 3h39
